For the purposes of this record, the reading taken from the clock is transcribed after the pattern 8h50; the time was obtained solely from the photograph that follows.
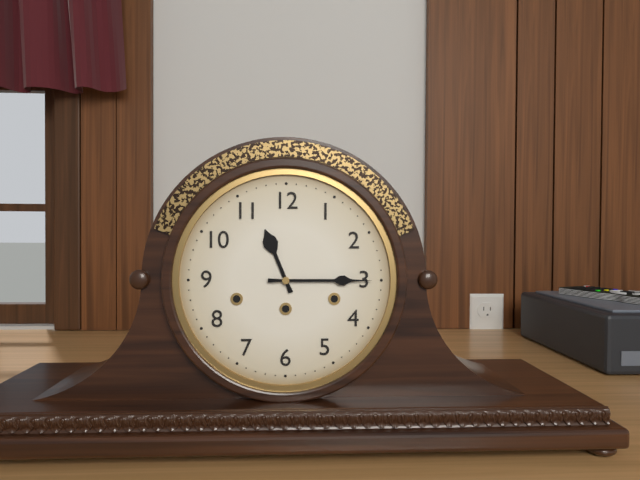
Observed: 11h15
